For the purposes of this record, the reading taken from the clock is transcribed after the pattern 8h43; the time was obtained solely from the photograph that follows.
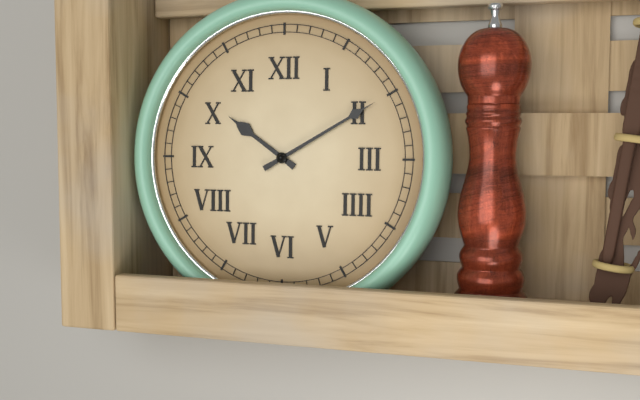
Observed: 10h10
